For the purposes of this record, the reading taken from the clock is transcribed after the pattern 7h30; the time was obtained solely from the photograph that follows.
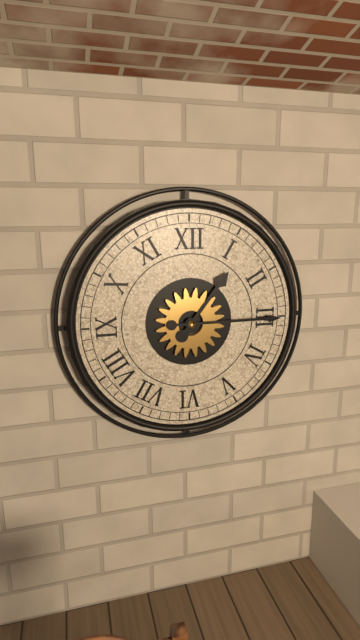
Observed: 1h15
